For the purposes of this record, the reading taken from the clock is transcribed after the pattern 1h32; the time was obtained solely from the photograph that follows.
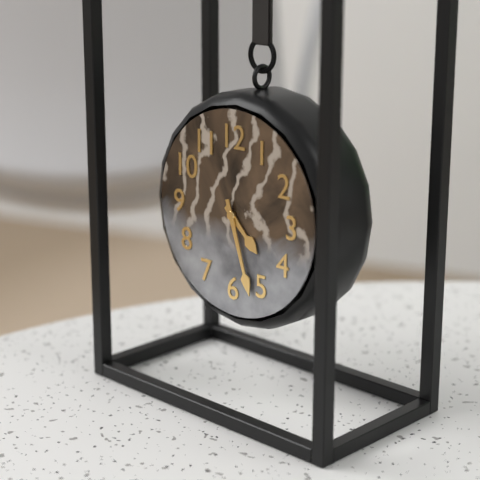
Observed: 4h27
